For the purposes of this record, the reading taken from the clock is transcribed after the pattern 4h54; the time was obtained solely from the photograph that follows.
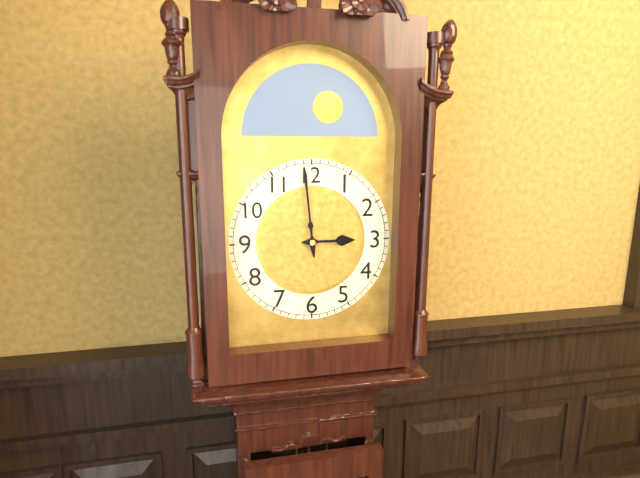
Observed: 2h59
